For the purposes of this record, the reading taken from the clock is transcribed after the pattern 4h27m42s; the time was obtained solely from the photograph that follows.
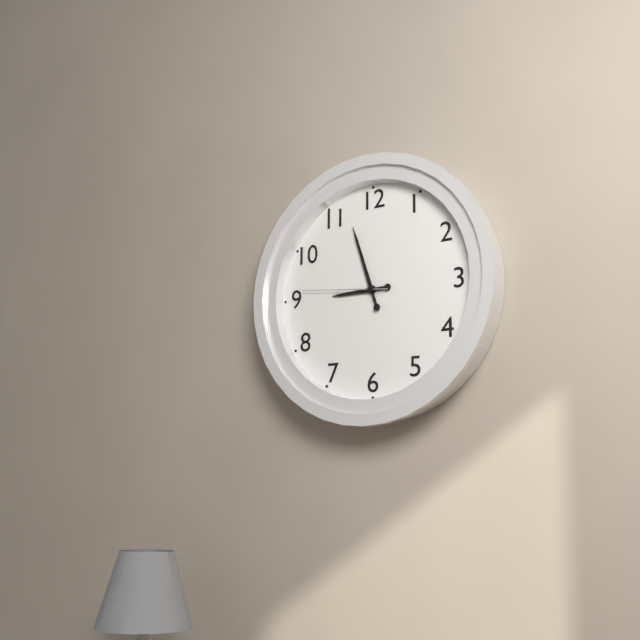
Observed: 8h57m46s
